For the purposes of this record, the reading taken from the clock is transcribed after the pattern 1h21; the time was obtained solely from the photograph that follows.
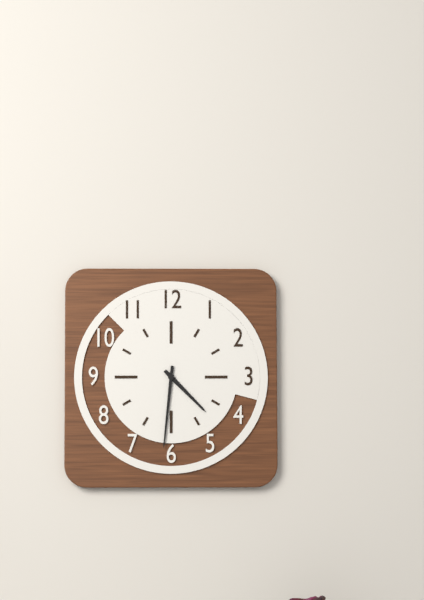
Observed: 4h31
